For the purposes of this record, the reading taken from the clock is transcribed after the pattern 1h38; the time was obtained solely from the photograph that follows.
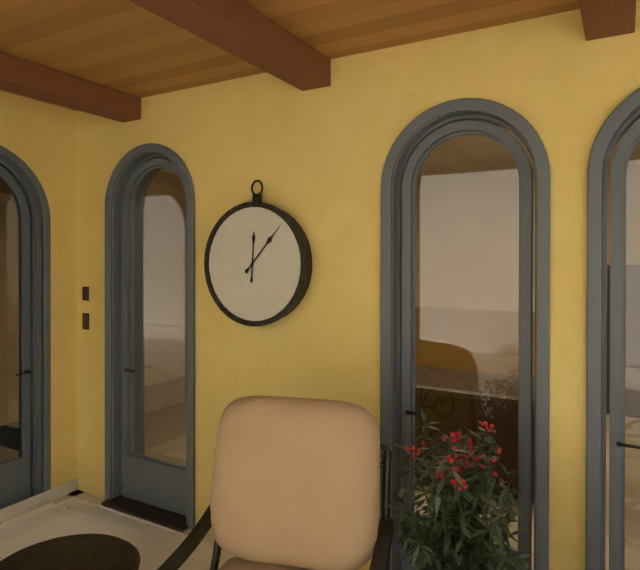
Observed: 12h07
